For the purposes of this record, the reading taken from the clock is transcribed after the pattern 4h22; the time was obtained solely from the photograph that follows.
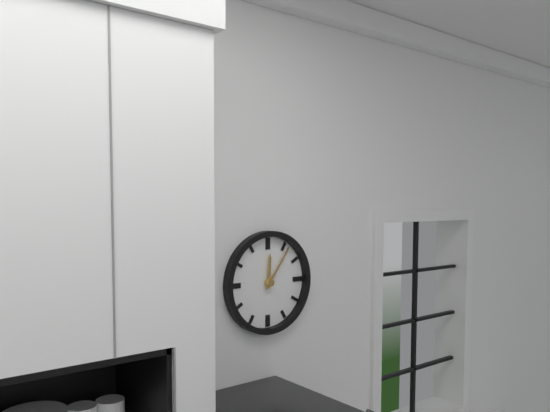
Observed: 12h06
